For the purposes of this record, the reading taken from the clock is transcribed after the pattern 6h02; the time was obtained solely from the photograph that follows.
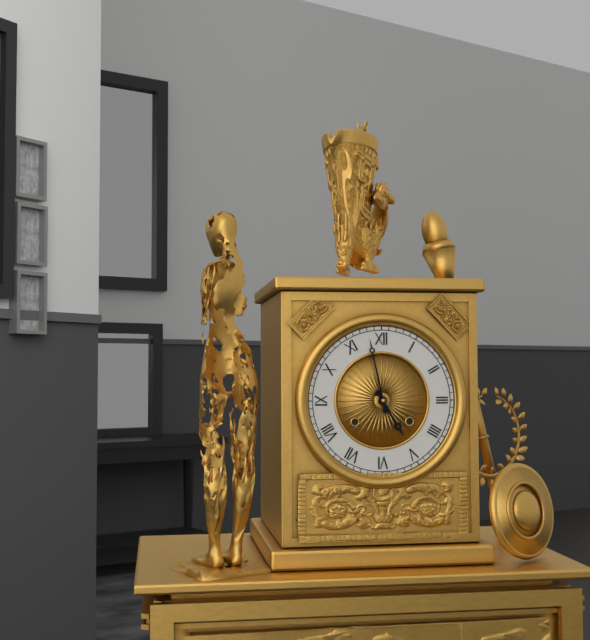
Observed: 4h58
